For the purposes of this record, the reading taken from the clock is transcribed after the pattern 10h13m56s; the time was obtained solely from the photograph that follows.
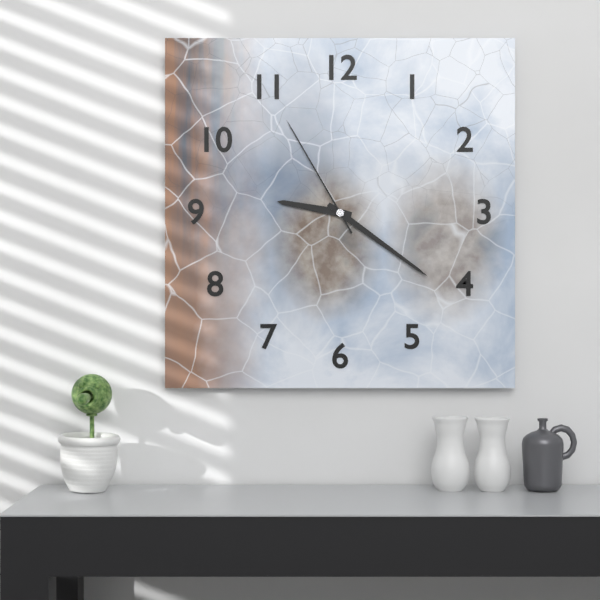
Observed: 9h21m55s
